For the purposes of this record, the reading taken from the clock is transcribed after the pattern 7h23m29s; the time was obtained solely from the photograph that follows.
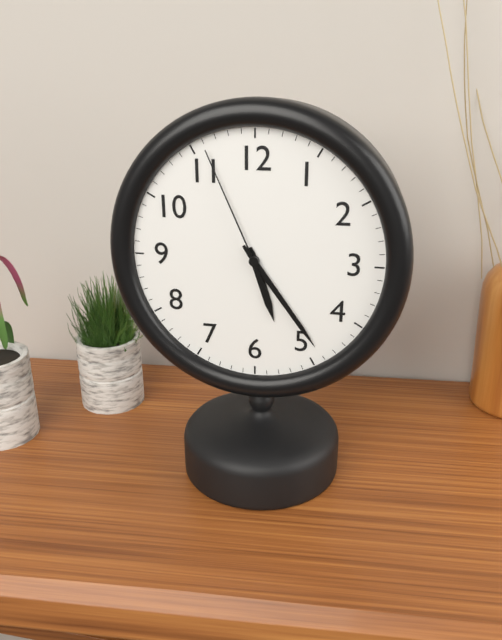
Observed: 5h24m56s
